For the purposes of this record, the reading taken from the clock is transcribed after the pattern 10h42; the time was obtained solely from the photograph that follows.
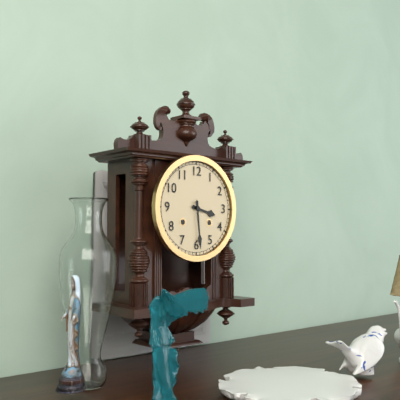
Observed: 3h29
